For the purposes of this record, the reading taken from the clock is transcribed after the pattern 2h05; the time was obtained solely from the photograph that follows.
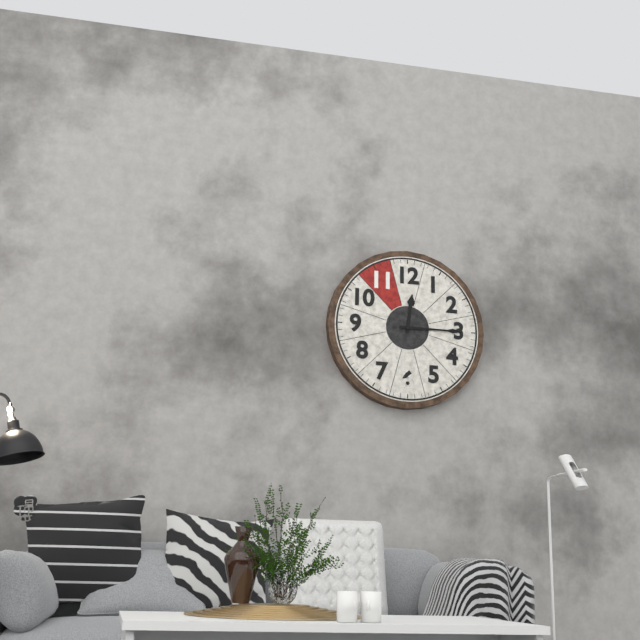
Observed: 12h15
